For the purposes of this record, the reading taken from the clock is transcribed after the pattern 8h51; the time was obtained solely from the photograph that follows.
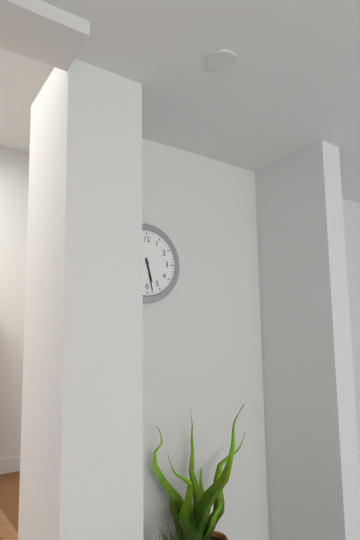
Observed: 5h28
